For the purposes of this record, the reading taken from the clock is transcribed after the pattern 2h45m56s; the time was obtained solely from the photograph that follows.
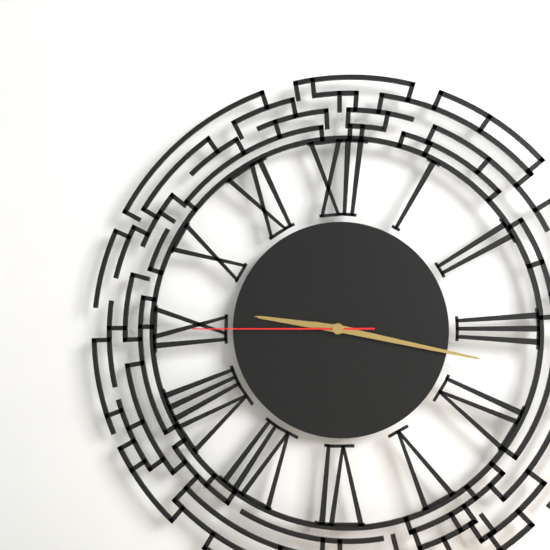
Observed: 9h17m45s
